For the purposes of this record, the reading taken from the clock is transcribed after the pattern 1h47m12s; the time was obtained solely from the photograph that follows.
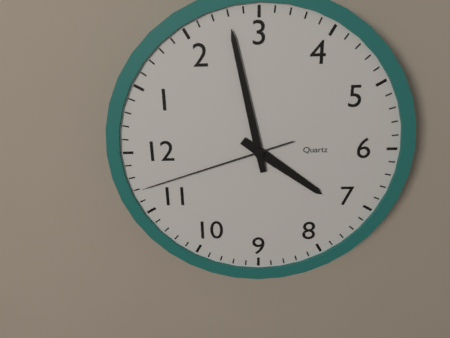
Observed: 7h13m57s
